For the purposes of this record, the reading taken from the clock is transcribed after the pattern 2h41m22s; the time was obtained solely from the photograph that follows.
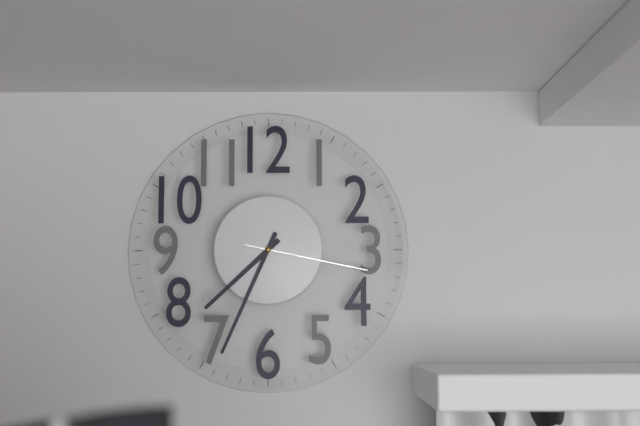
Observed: 7h34m17s
